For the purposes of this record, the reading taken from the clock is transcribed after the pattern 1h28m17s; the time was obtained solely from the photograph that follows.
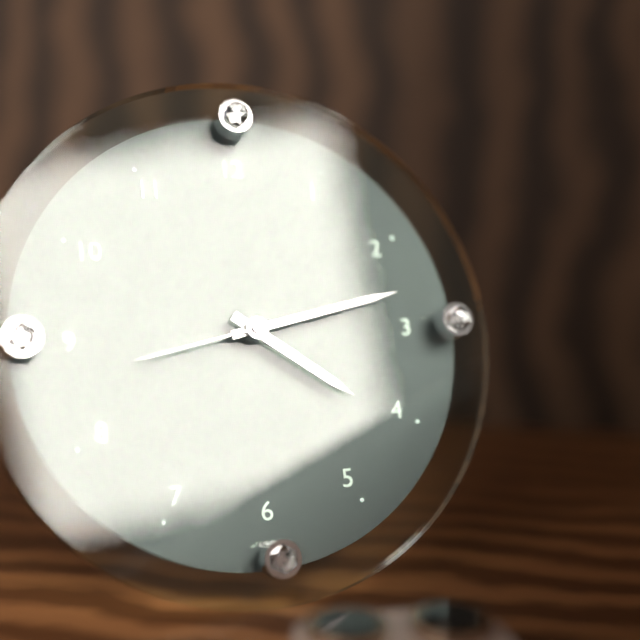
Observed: 4h13m43s
